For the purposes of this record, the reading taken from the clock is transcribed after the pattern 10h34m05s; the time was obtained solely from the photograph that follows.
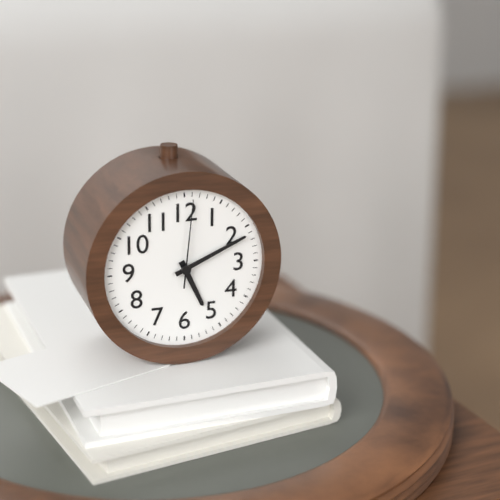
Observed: 5h11m01s
